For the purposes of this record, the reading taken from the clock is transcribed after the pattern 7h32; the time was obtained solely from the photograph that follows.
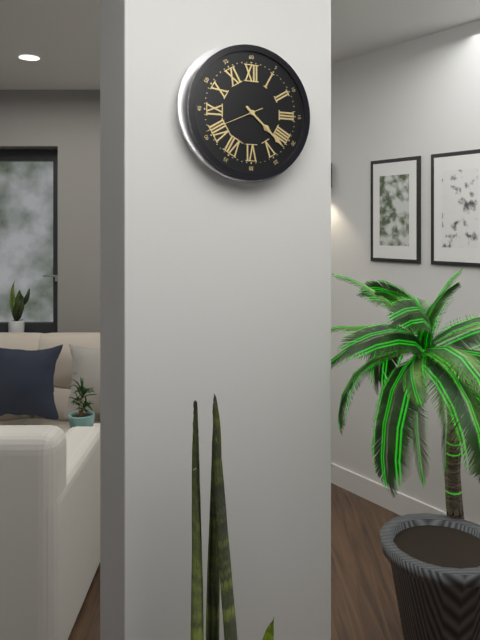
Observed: 4h22
